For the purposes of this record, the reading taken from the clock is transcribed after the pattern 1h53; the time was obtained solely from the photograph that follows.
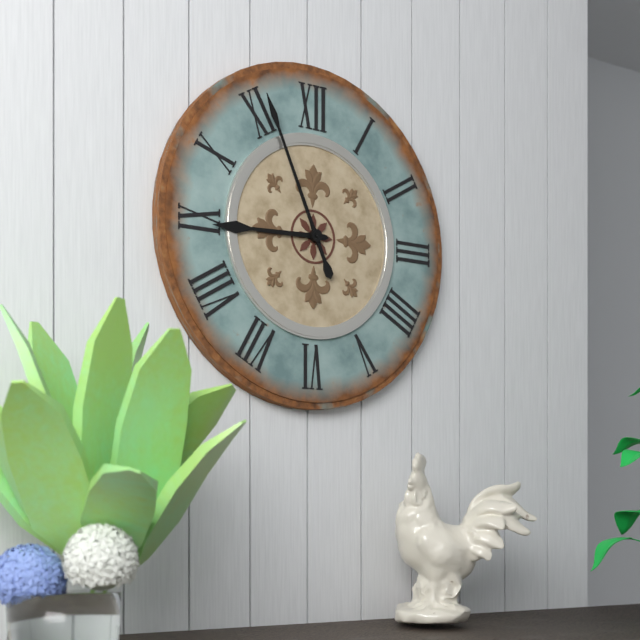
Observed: 8h56
